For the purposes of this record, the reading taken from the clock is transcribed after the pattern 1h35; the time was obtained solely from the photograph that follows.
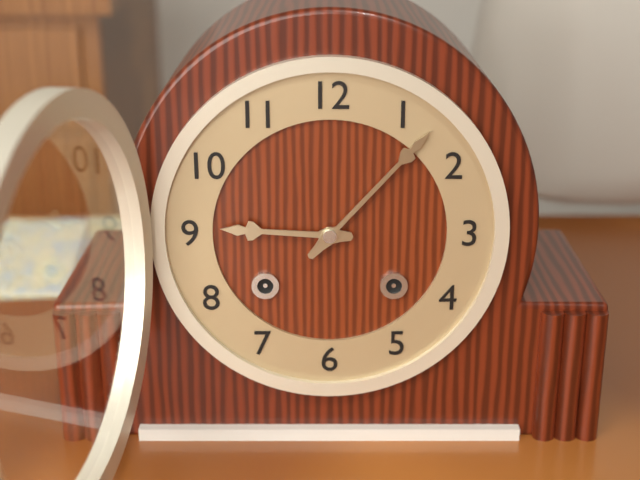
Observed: 9h07
